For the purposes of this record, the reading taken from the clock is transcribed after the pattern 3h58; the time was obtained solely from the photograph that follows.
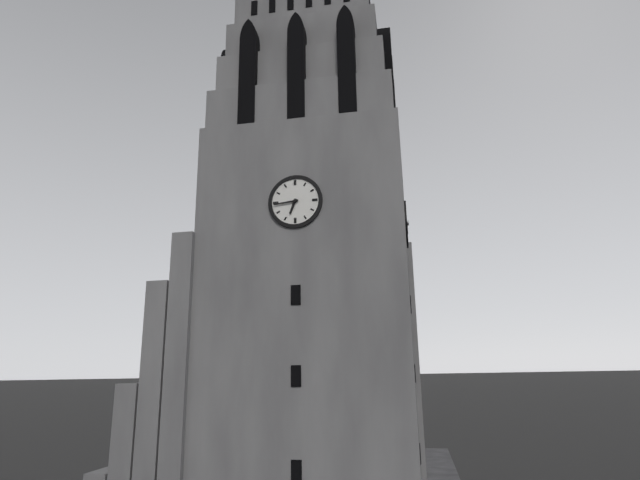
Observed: 6h44
